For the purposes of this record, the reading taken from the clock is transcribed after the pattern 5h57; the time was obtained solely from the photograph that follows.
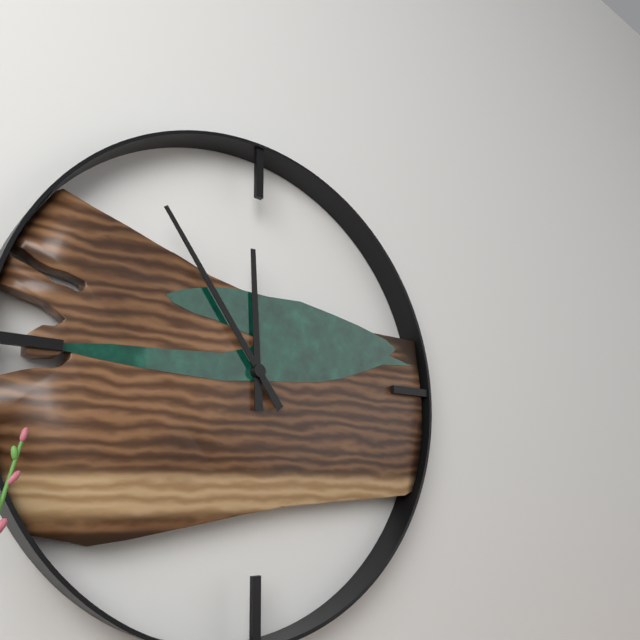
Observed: 11h54
